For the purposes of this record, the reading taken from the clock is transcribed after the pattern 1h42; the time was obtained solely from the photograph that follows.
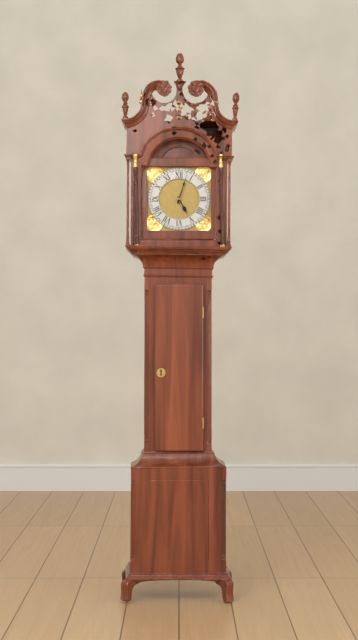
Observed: 5h03
